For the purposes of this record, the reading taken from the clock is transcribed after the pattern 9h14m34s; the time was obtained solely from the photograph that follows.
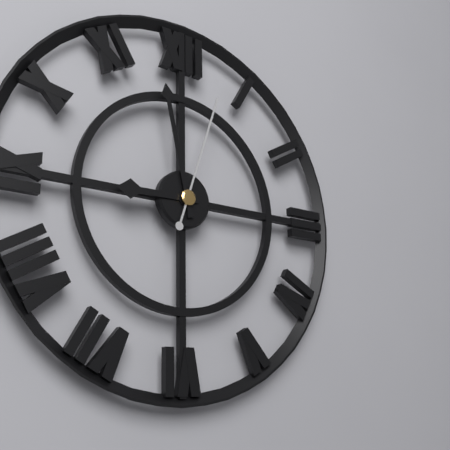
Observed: 8h58m03s
